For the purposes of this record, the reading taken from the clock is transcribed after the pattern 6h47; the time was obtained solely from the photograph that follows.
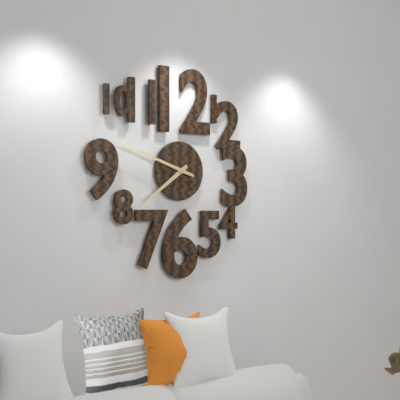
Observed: 7h48
